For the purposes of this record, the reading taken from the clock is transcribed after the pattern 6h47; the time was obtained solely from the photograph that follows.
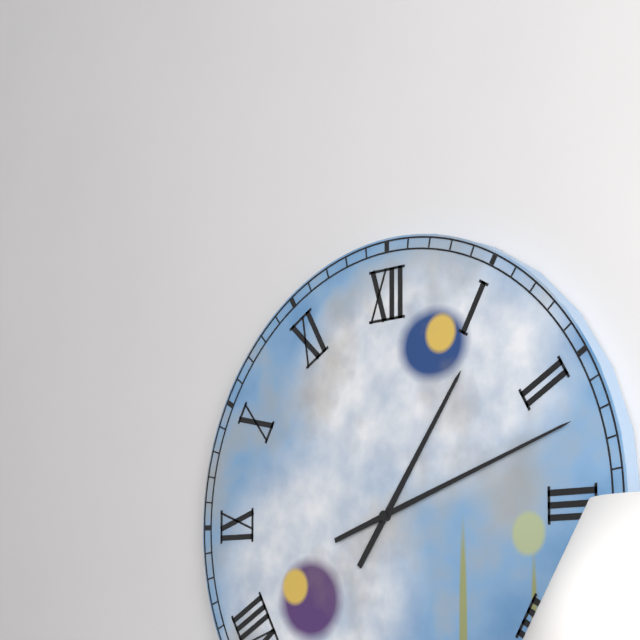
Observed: 1h12
